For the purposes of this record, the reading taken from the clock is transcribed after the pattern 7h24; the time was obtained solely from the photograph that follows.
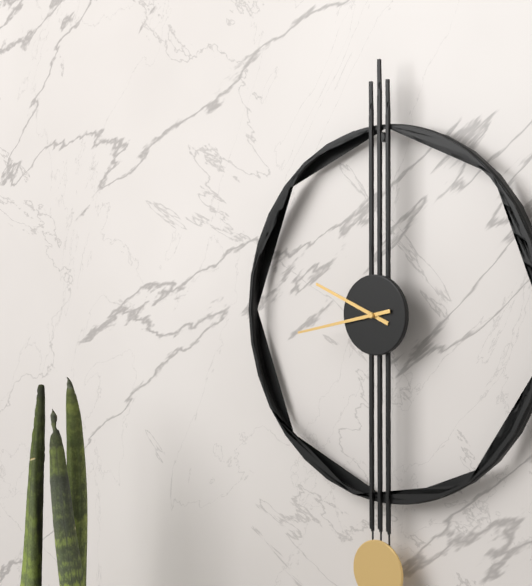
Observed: 9h43
